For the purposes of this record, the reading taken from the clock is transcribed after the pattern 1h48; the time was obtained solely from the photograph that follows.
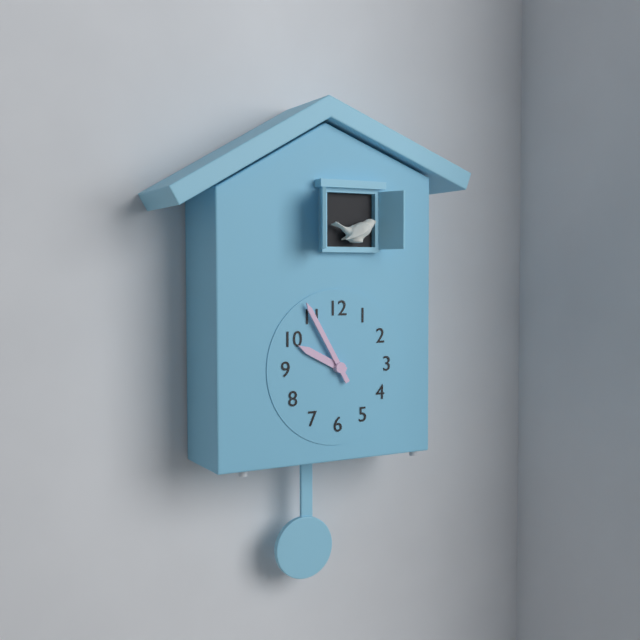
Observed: 9h55
